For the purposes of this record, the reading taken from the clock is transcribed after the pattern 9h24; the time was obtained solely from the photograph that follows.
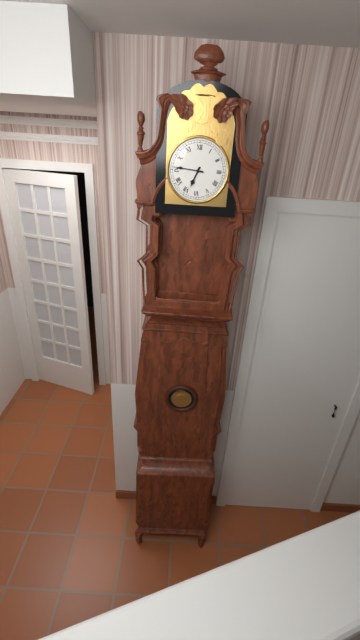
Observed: 6h46
